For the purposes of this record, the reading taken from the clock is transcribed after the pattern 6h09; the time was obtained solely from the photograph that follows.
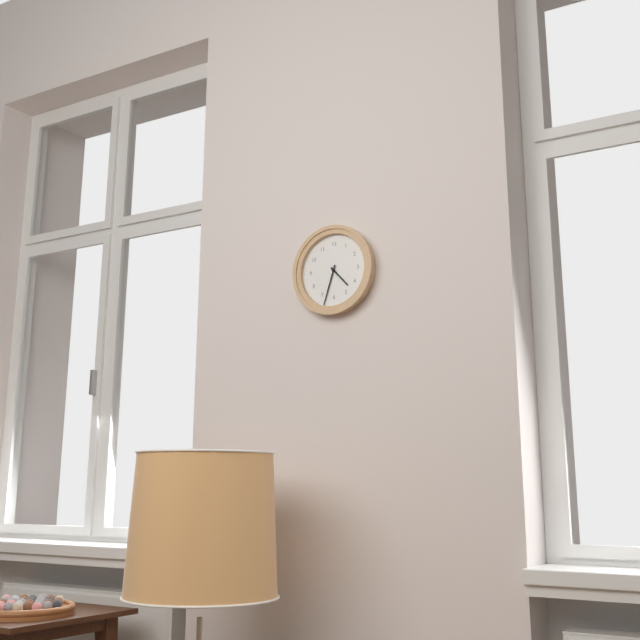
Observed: 4h33
